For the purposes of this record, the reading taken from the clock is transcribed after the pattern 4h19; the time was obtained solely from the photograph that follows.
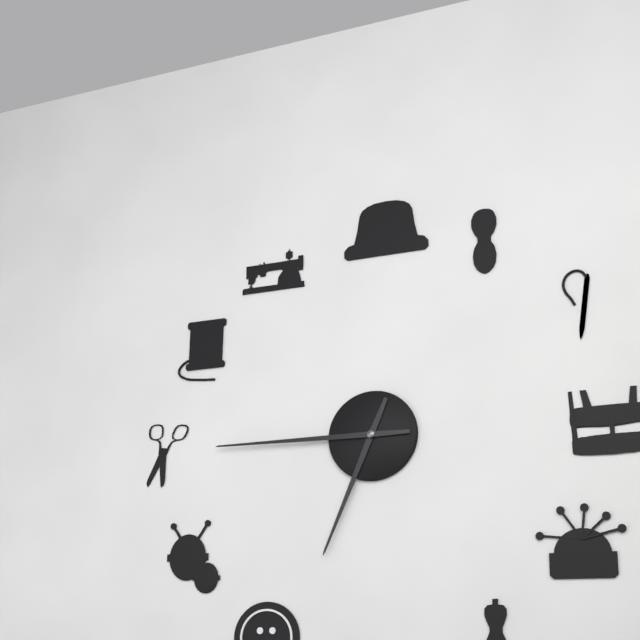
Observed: 6h45
